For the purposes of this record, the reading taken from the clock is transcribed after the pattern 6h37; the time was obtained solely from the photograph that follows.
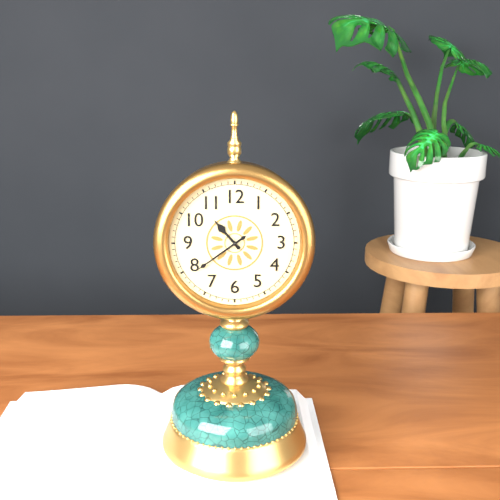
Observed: 10h39
